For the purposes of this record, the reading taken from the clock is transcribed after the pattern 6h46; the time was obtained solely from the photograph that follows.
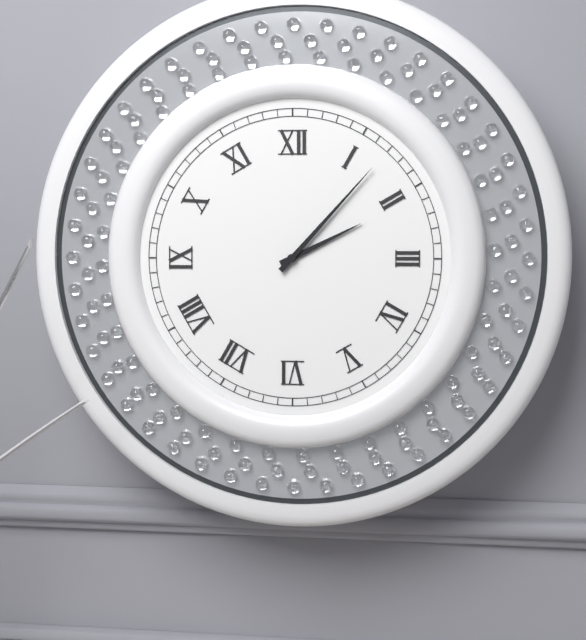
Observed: 2h07
